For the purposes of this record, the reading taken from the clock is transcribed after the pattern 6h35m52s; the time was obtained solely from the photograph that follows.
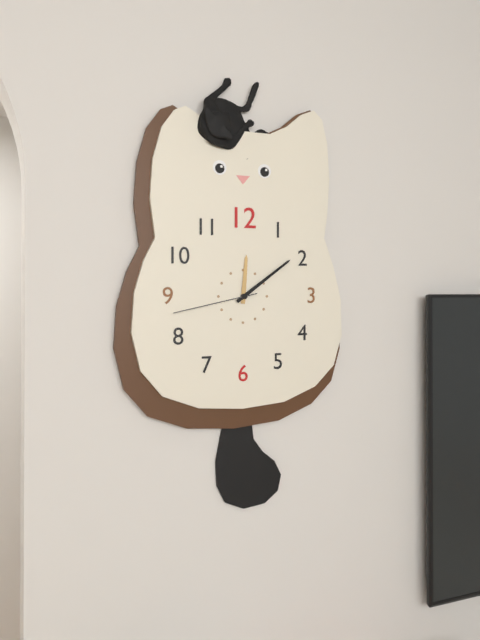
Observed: 12h09m43s
